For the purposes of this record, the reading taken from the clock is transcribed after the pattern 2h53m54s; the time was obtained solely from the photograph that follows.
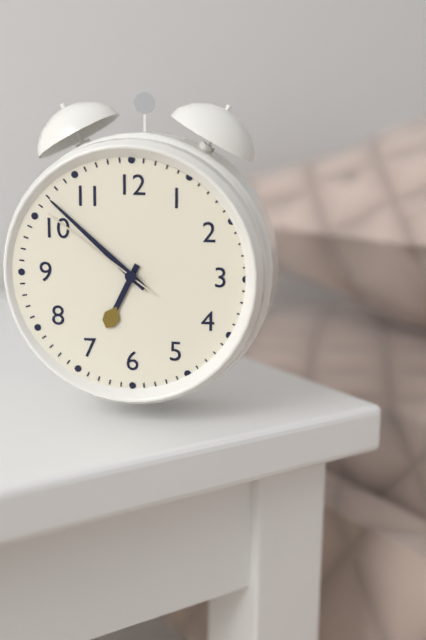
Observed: 6h52m51s
